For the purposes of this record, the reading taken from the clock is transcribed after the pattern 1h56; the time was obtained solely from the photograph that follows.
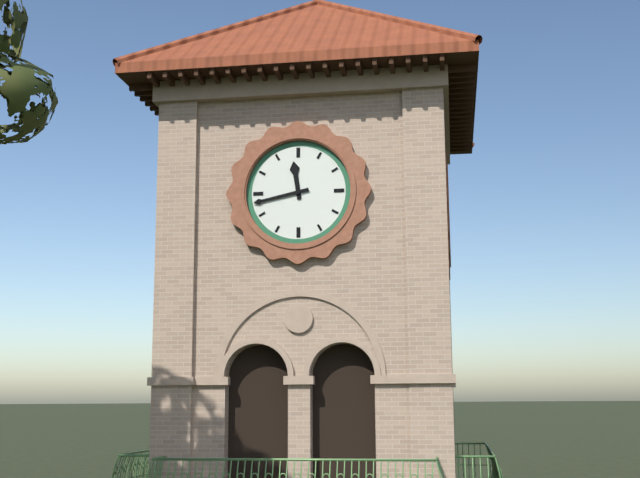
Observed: 11h43
